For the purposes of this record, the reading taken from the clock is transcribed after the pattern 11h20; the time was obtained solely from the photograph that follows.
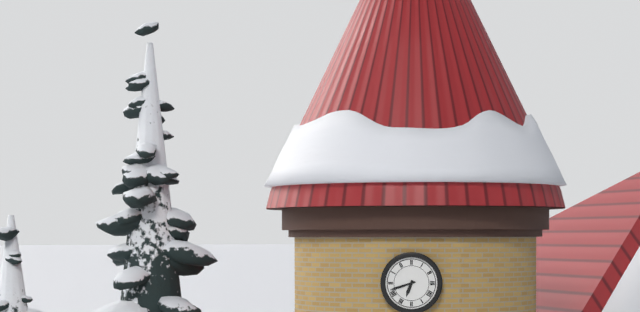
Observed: 6h42
